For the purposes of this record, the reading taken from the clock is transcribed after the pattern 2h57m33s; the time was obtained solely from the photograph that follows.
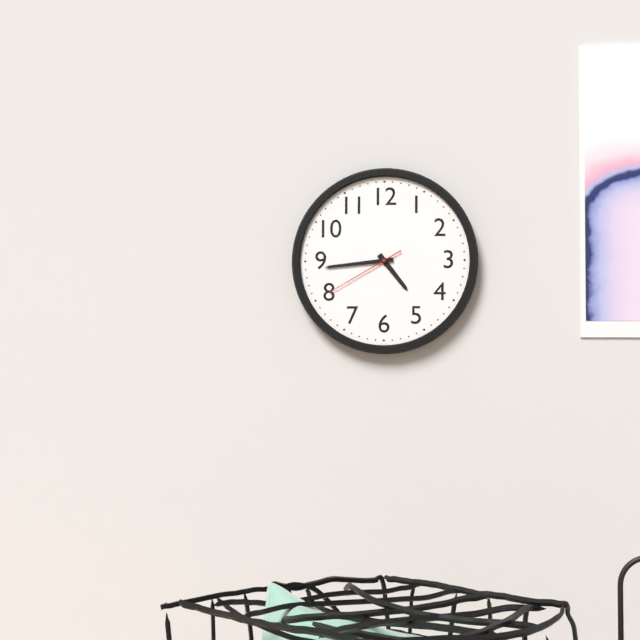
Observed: 4h44m40s
